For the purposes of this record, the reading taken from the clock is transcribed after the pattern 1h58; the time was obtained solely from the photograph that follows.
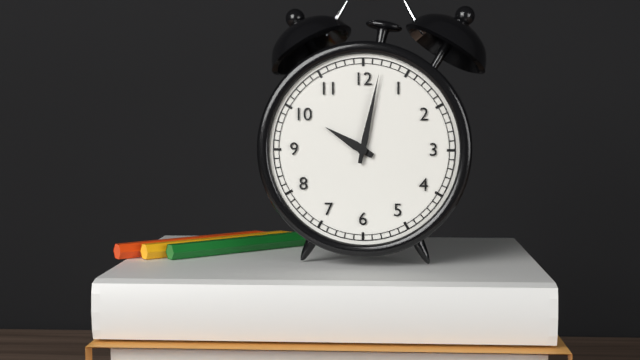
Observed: 10h02
